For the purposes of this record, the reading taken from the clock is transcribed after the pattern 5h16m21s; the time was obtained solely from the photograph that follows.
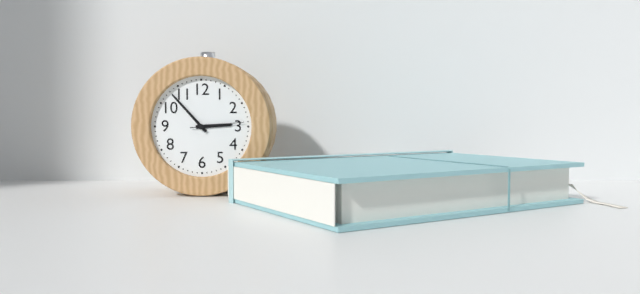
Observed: 2h53m14s
